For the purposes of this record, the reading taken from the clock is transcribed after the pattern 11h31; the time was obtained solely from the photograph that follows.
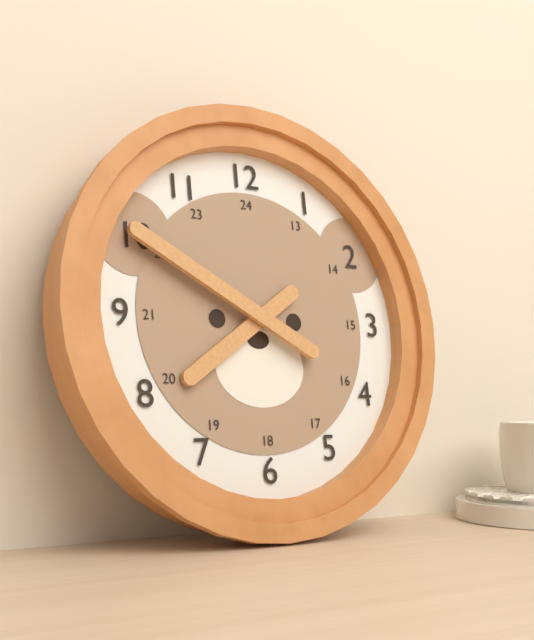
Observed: 7h50
